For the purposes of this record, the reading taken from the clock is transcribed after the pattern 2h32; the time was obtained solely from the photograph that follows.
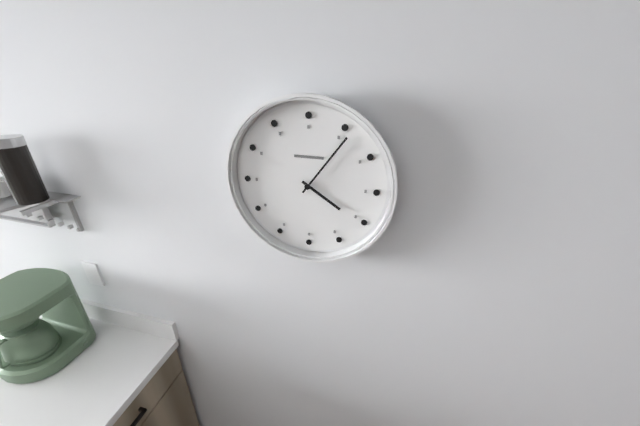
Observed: 4h06
